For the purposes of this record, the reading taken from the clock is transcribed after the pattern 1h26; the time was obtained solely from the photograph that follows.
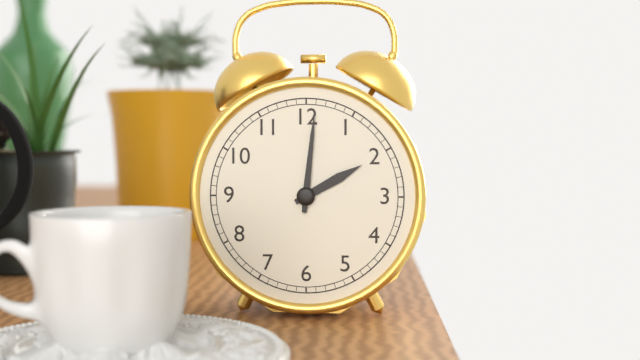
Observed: 2h01
